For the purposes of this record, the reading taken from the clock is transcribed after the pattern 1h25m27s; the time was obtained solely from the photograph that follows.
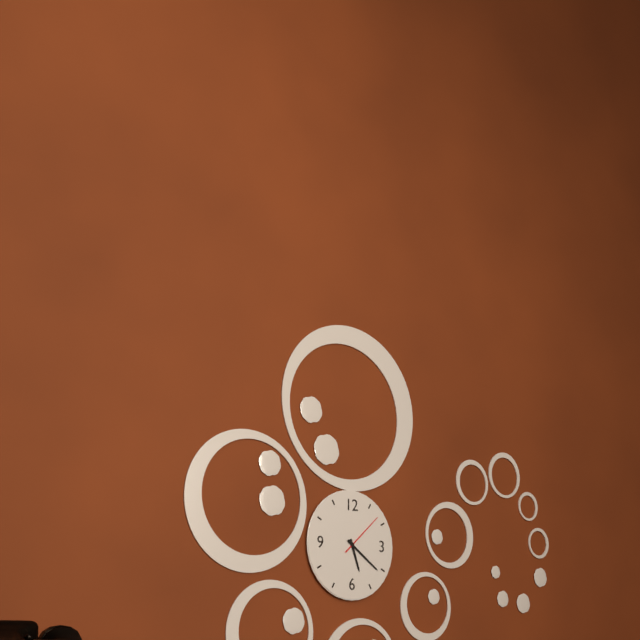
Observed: 5h21m08s
